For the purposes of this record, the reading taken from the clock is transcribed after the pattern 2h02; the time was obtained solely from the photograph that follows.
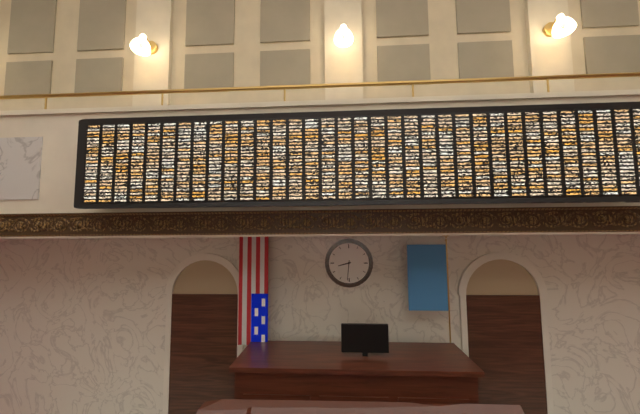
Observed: 8h31
